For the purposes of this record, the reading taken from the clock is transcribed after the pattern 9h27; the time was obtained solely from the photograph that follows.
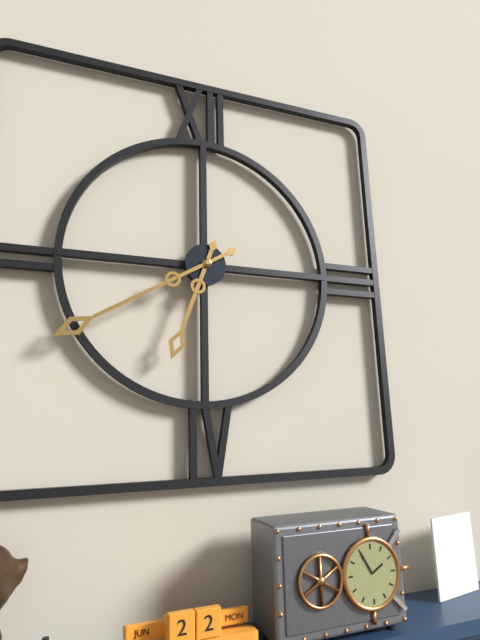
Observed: 6h40
